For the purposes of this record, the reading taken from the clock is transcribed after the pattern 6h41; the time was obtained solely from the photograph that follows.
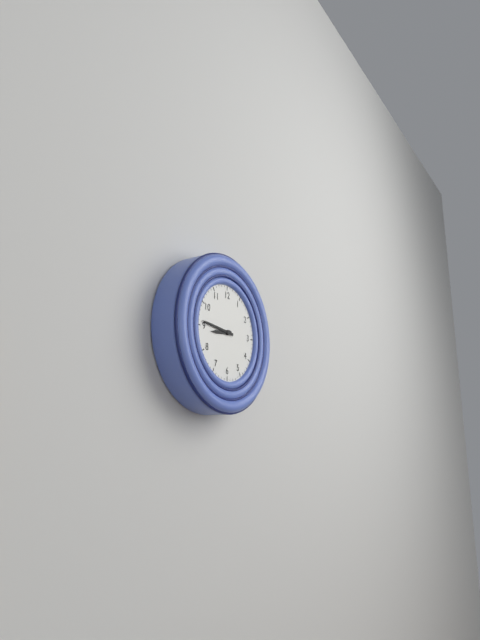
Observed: 8h46
